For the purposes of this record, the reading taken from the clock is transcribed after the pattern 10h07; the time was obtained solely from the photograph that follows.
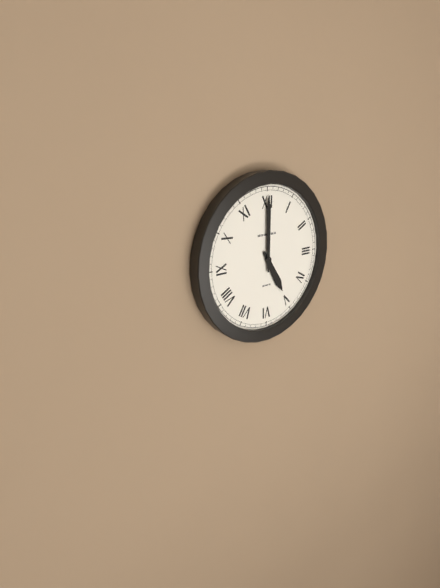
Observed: 5h00
